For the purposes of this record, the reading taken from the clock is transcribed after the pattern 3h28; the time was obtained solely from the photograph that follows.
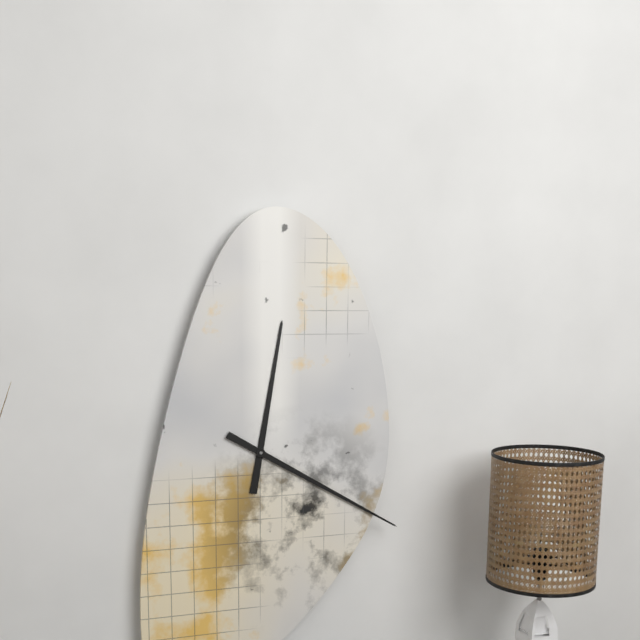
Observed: 12h20
